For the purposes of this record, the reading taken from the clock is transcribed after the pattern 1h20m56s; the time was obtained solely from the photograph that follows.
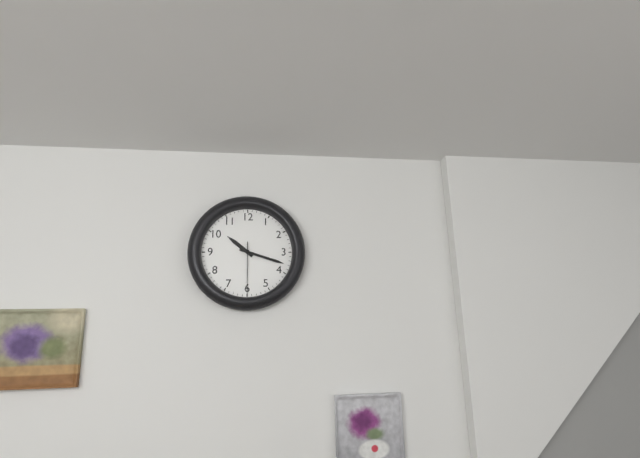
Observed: 10h18m30s
